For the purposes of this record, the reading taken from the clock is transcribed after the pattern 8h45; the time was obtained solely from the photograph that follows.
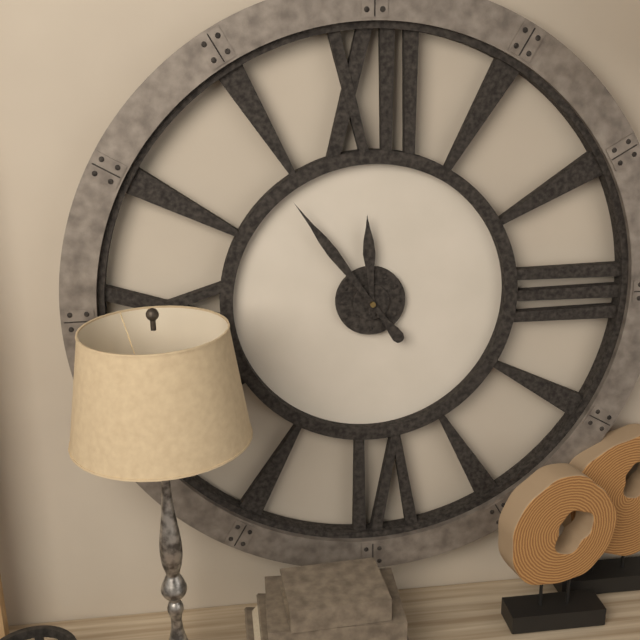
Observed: 11h54
